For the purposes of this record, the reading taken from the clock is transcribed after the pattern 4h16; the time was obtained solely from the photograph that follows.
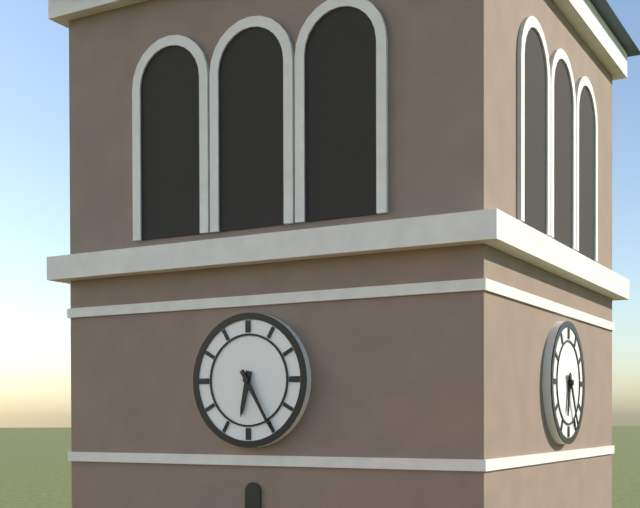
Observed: 6h25
